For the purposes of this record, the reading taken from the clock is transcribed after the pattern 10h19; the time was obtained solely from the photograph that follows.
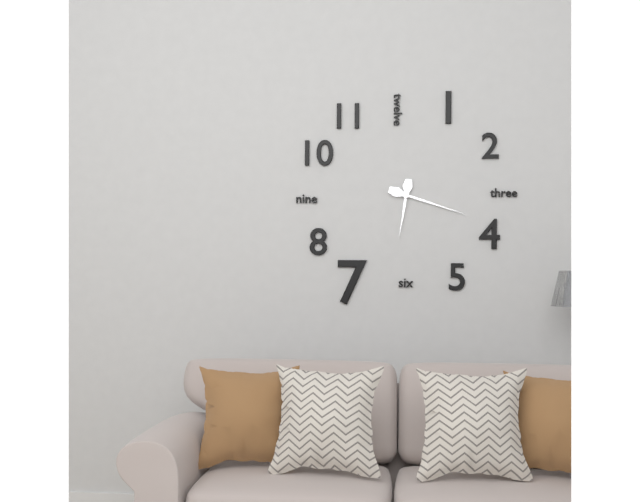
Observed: 6h18
